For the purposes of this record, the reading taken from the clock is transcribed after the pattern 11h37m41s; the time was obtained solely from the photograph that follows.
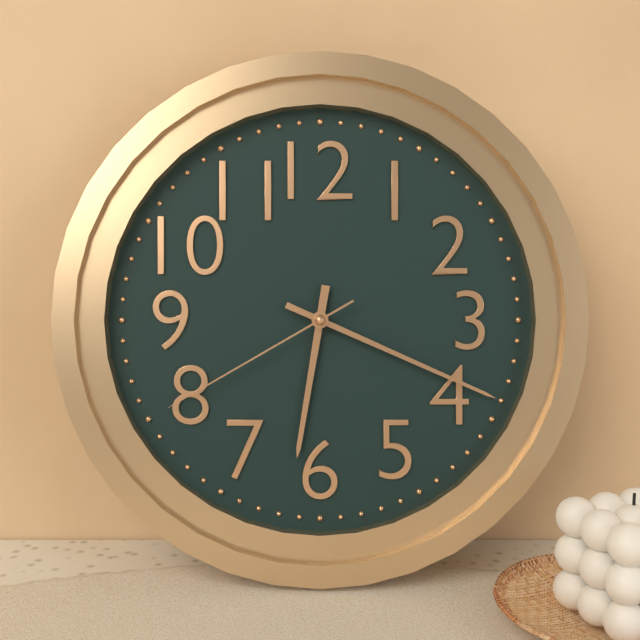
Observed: 6h19m40s
